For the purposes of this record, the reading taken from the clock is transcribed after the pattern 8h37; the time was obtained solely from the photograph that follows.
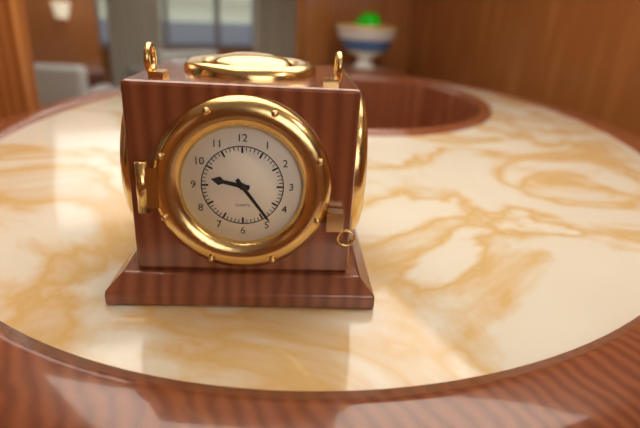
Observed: 9h24
